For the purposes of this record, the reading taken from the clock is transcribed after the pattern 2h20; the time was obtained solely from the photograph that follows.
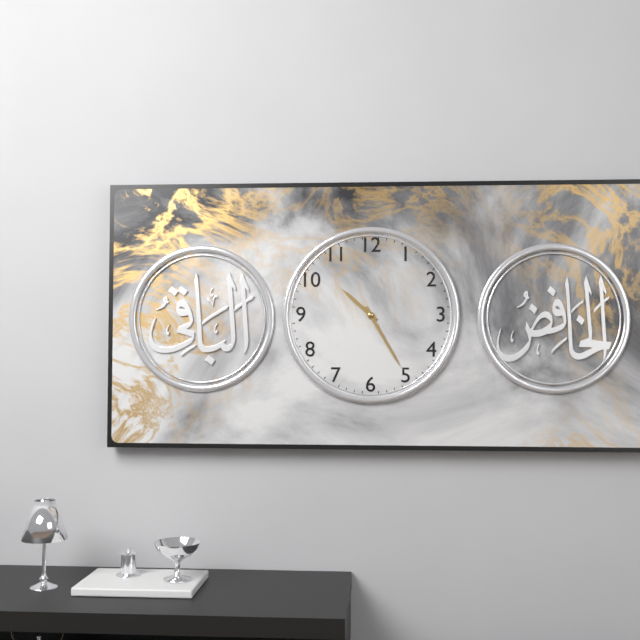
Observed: 10h25
